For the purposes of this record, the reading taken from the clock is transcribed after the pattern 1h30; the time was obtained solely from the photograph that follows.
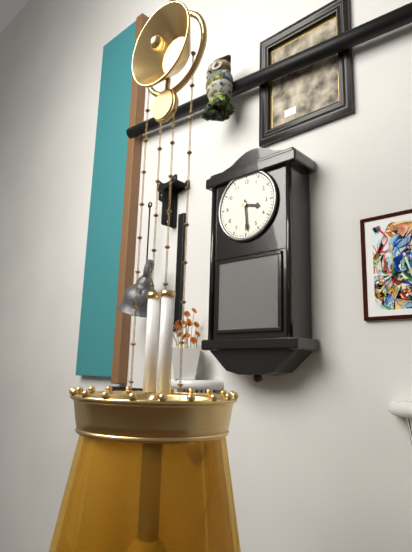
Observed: 3h29
